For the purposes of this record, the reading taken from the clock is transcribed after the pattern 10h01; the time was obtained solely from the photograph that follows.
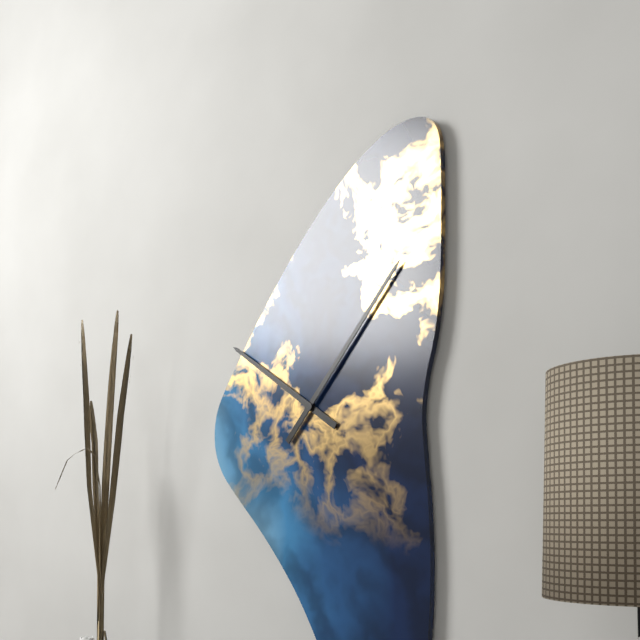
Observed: 10h07
